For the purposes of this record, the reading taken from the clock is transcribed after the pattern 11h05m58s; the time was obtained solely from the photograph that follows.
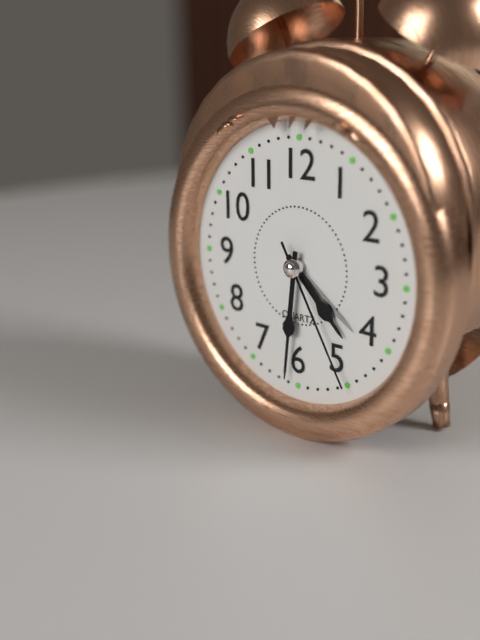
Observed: 4h31m25s
